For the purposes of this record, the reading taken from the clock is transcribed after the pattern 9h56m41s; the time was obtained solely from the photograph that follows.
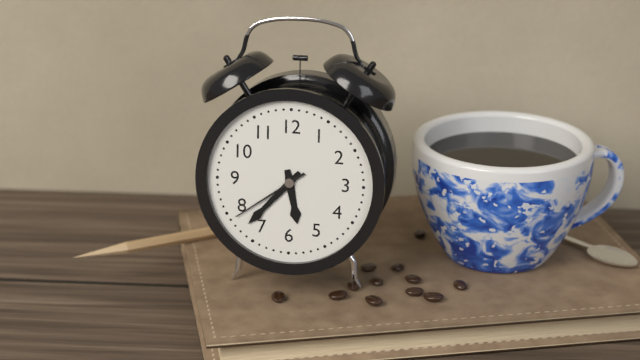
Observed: 5h37m39s
